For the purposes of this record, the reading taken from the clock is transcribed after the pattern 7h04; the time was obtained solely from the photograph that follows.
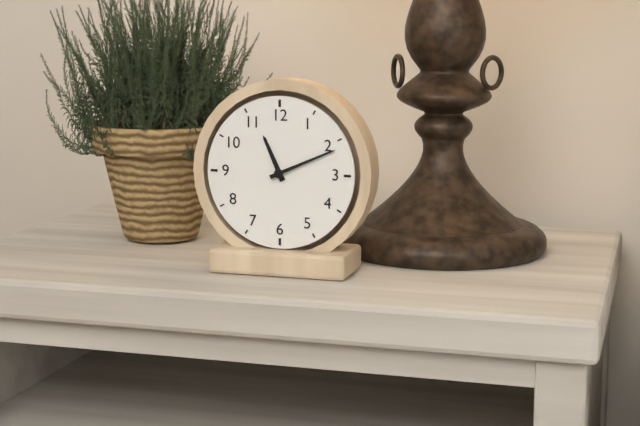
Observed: 11h11
